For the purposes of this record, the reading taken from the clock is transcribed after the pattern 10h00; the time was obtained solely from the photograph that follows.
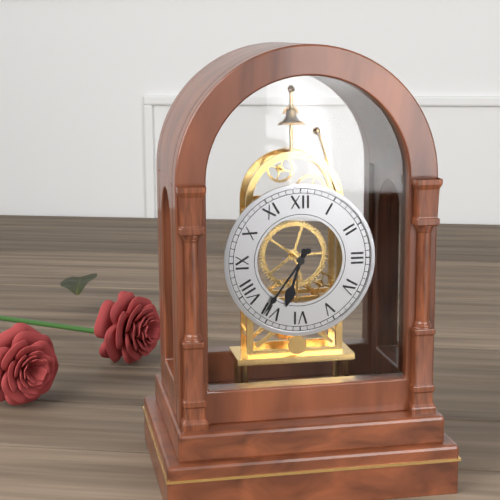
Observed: 6h36
